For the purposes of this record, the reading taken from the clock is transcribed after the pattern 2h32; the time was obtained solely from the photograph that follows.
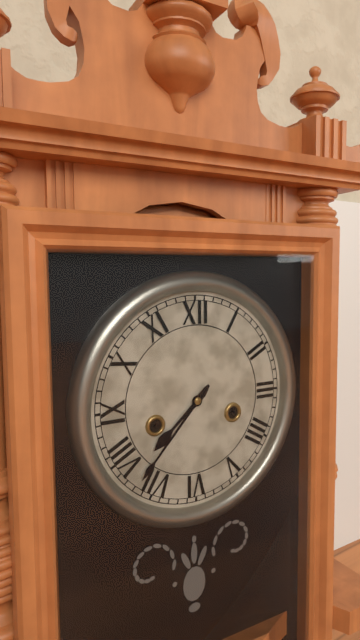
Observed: 7h37
